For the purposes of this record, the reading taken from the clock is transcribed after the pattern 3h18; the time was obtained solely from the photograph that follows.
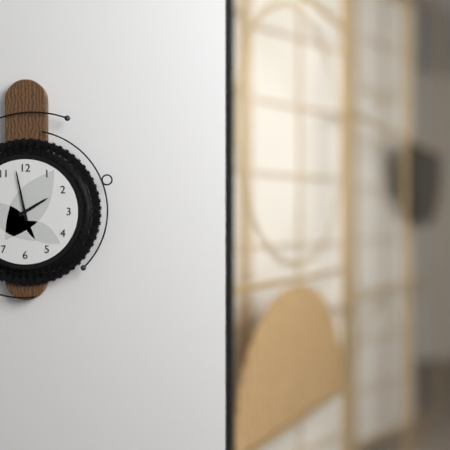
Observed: 1h58
